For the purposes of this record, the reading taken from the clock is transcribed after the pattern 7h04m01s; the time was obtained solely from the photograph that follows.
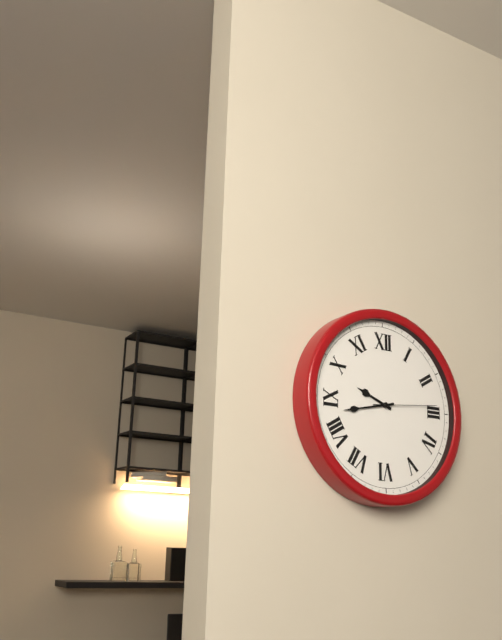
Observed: 9h43m14s
